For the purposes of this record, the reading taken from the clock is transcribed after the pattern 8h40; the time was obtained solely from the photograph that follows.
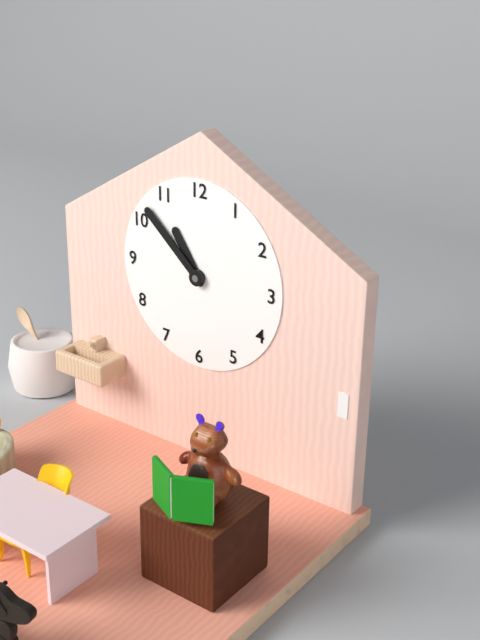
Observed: 10h52
